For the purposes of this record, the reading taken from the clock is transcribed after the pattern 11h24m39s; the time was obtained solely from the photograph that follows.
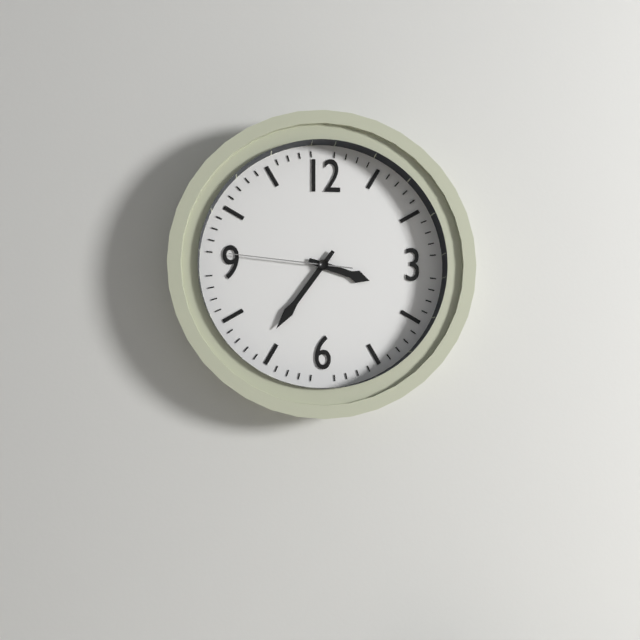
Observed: 3h36m46s
